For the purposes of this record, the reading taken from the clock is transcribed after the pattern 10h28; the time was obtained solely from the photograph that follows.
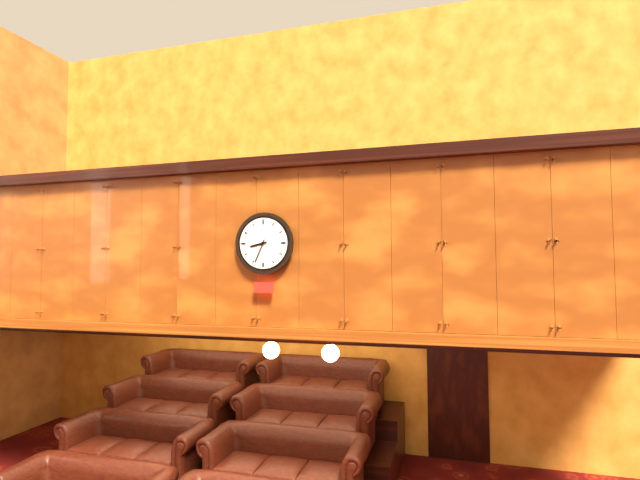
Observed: 8h34
